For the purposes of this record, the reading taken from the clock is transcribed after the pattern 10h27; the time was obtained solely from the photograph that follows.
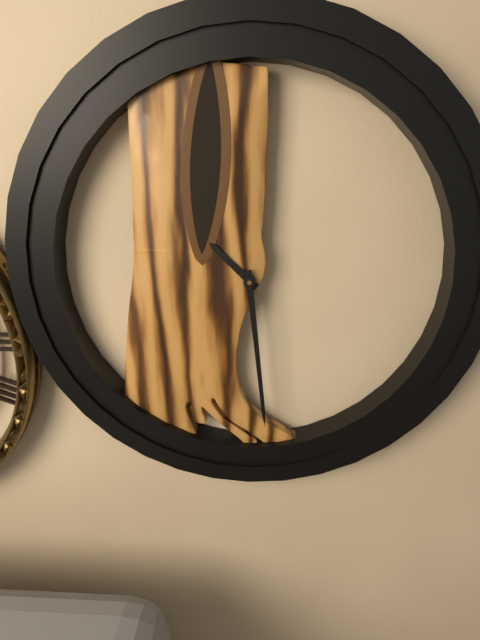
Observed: 10h29
